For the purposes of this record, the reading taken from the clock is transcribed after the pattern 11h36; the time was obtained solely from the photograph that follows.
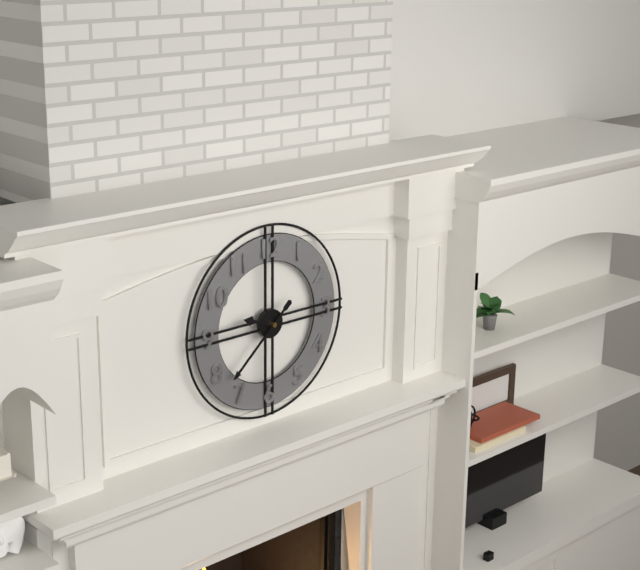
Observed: 9h38
